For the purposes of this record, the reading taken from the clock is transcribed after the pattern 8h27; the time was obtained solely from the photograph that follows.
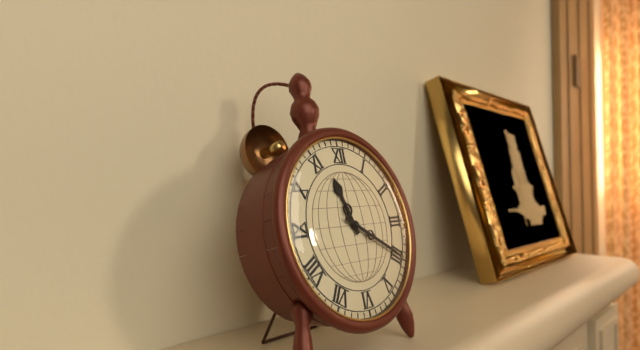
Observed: 11h20
